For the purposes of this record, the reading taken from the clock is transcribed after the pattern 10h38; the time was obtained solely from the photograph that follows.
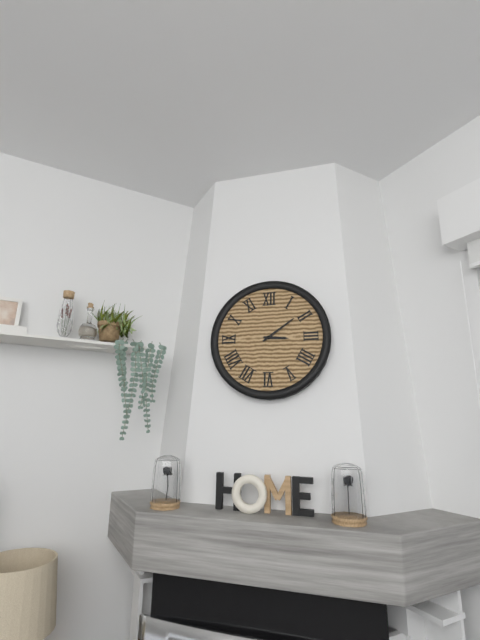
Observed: 3h09
